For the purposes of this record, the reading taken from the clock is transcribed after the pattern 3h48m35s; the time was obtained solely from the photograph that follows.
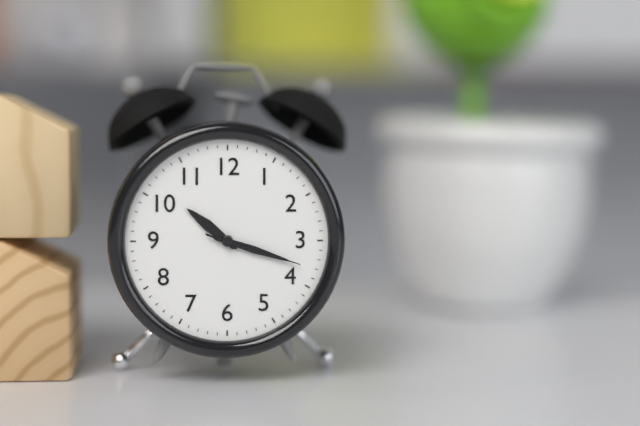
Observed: 10h18m18s
